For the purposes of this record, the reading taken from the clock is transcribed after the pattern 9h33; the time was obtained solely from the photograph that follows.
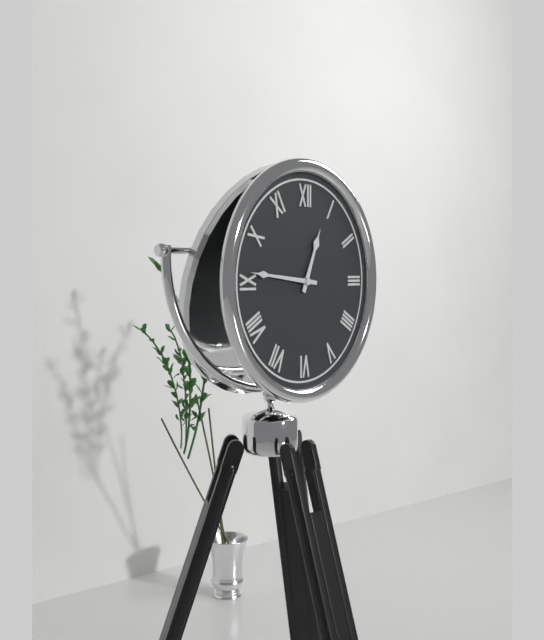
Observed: 12h46
